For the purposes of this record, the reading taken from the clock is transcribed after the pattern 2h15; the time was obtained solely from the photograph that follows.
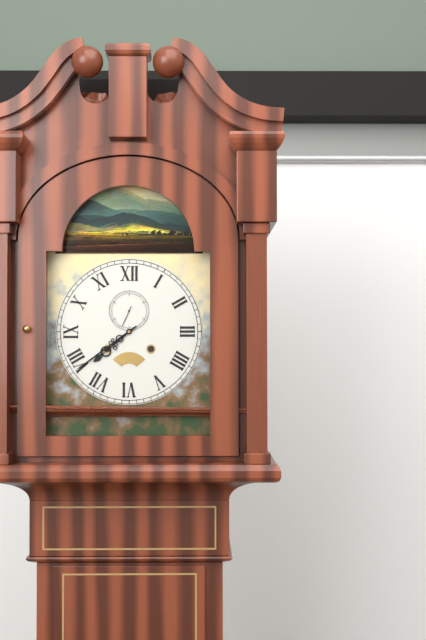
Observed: 7h39
